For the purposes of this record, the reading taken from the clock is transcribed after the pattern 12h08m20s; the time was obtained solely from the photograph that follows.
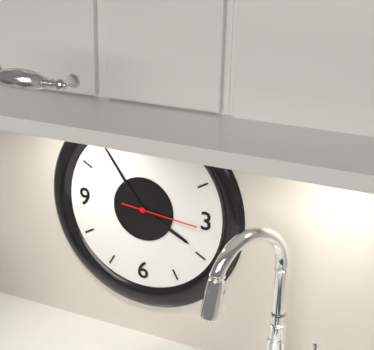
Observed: 3h54m16s
